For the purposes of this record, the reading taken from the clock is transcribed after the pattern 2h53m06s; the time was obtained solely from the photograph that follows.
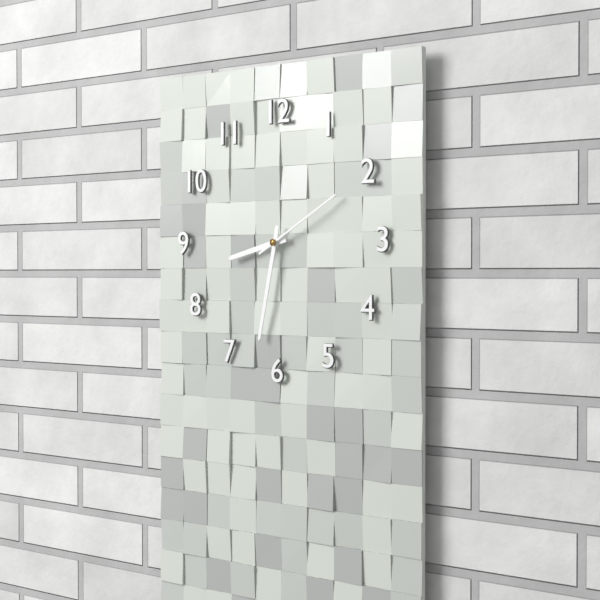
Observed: 8h32m10s
